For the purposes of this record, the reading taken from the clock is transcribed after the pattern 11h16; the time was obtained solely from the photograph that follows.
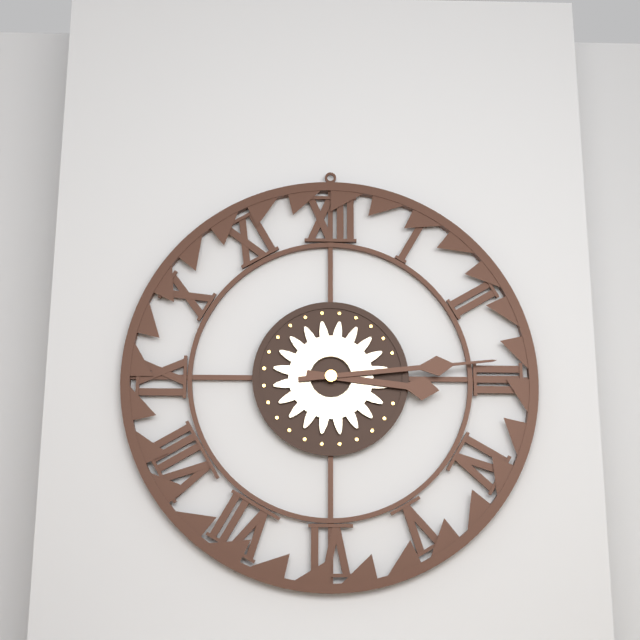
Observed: 3h14
